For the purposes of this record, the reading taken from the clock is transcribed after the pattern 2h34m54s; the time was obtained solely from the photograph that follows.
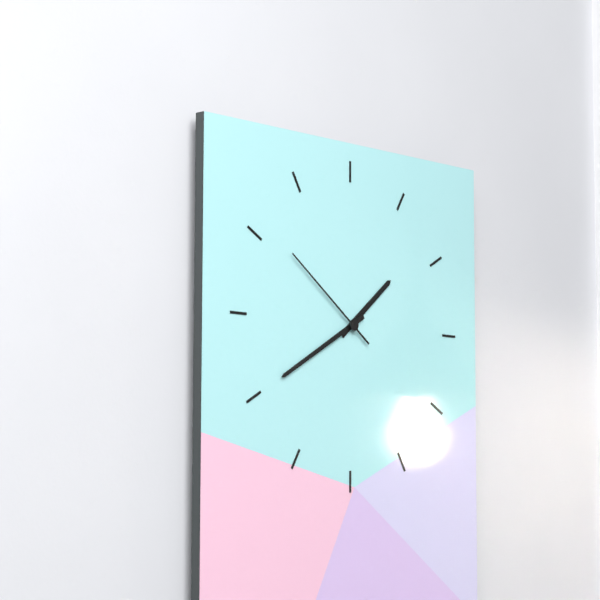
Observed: 1h40m51s
